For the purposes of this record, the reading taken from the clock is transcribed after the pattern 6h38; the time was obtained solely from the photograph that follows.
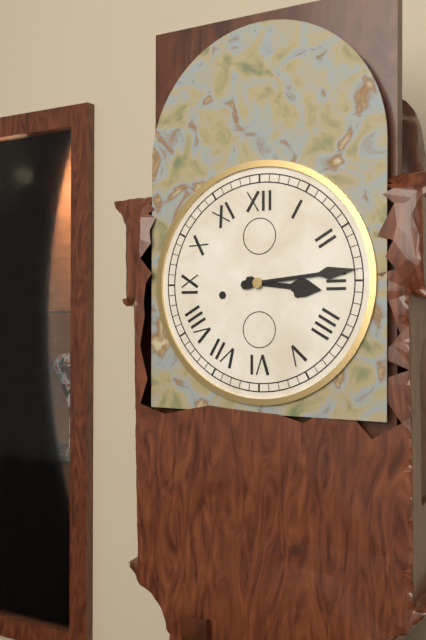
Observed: 3h14
